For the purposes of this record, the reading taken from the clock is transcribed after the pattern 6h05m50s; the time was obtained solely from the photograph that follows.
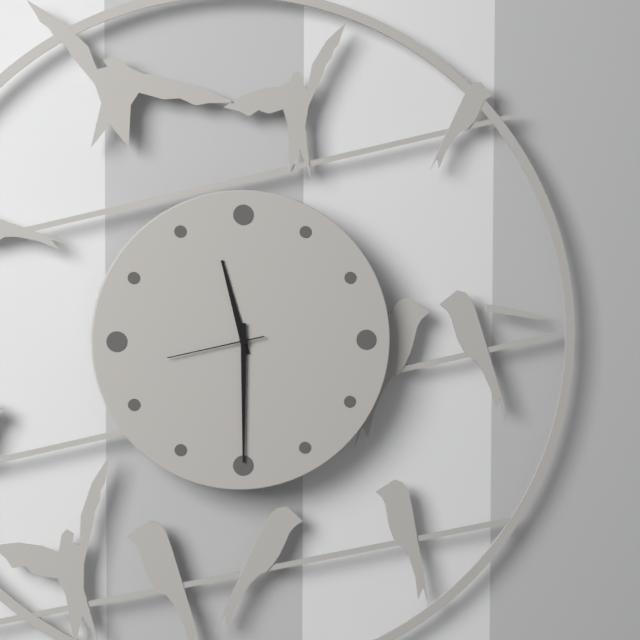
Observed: 11h30m43s
